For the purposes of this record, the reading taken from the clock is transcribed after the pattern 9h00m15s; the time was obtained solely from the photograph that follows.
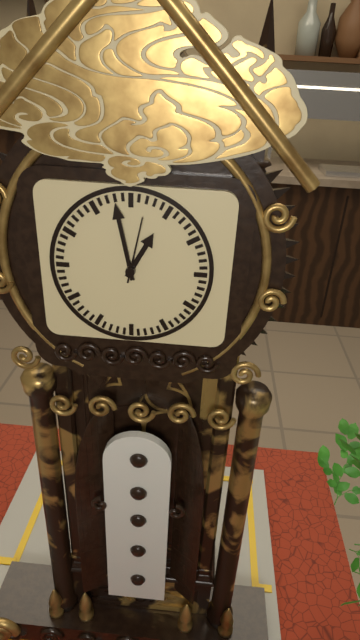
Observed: 12h58m02s
